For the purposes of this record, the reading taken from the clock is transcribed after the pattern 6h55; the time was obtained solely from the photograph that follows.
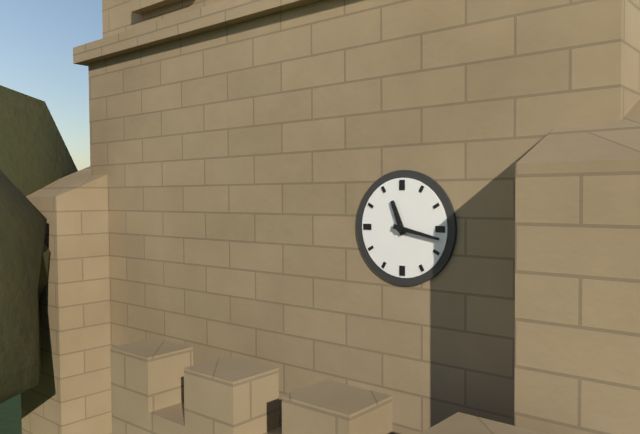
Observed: 11h17
